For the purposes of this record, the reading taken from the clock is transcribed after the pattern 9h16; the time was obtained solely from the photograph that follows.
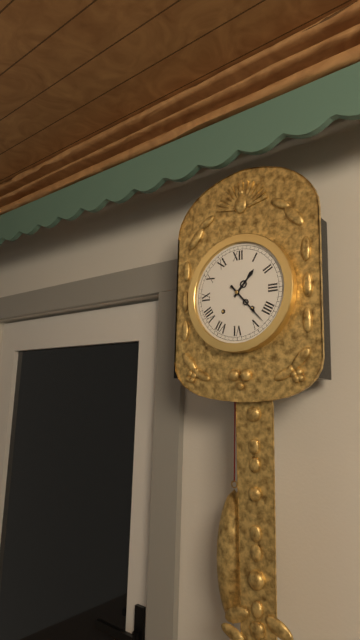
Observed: 1h23
